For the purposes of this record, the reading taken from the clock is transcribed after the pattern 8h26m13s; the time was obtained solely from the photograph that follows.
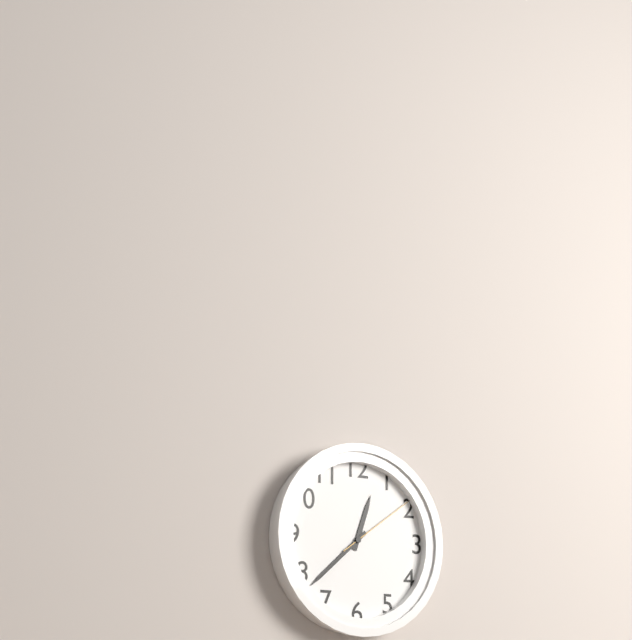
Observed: 12h38m09s
